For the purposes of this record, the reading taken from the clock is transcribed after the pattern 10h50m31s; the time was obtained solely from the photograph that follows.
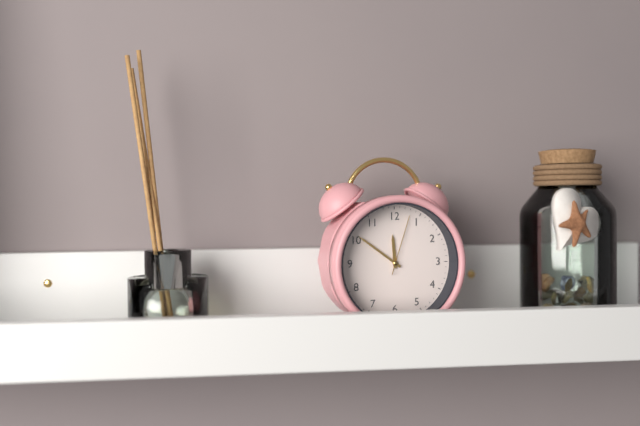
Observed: 11h51m03s
